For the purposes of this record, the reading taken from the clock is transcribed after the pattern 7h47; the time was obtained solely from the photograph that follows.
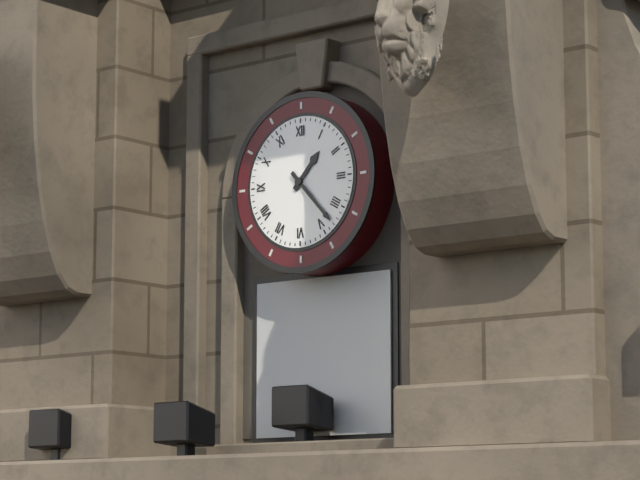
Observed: 1h23
